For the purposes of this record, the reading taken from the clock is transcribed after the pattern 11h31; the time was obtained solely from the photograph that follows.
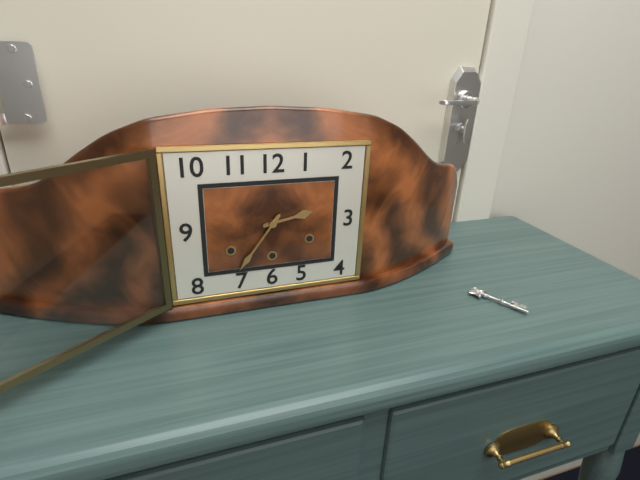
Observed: 2h36
